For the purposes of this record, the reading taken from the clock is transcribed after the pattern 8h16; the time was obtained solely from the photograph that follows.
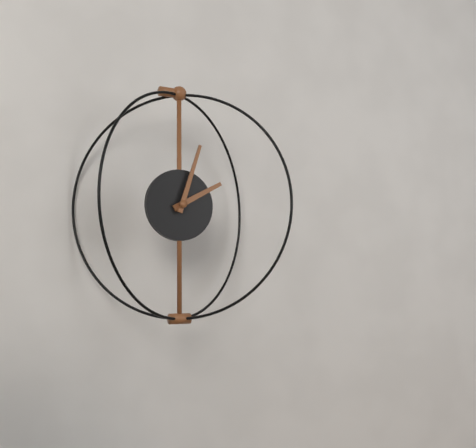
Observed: 2h03
